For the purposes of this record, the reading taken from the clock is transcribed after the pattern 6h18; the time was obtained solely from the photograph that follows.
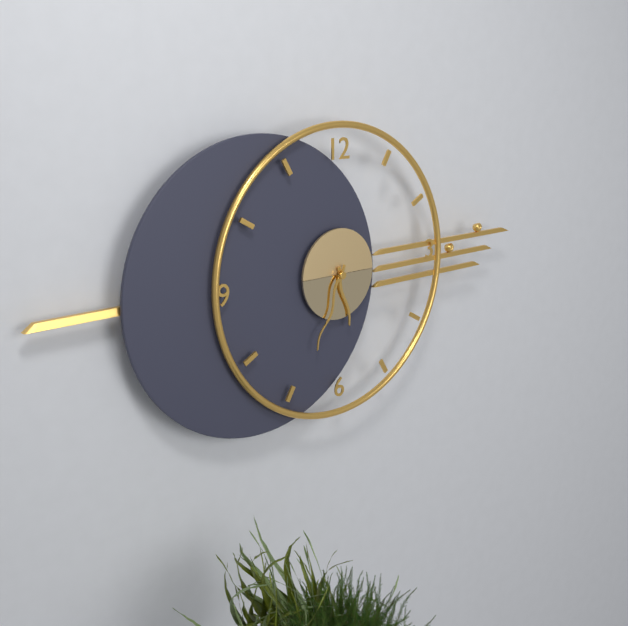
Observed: 5h34
